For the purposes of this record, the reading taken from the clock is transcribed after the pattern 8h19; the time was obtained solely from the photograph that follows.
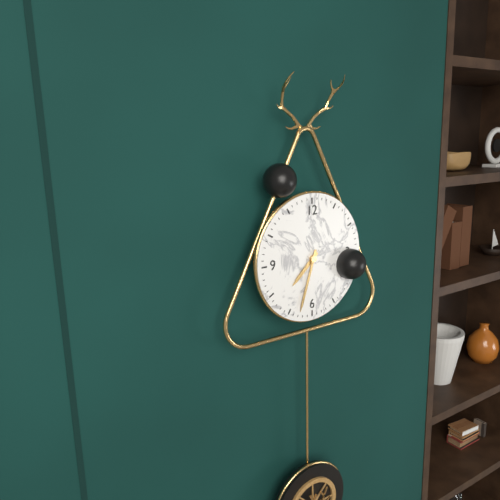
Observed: 7h33
